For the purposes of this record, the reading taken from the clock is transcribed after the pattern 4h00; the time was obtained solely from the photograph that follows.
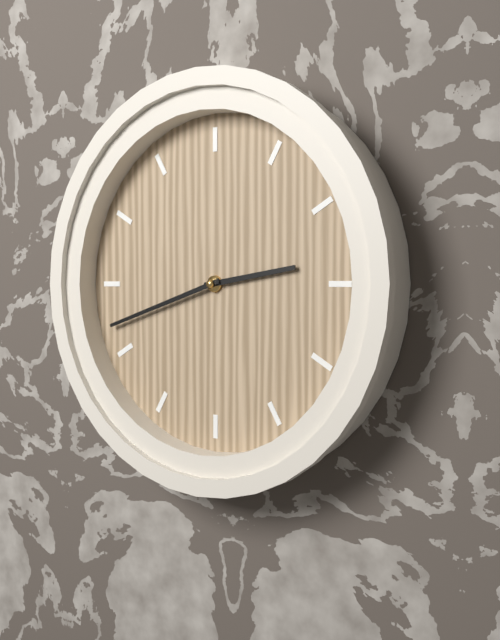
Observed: 2h42
